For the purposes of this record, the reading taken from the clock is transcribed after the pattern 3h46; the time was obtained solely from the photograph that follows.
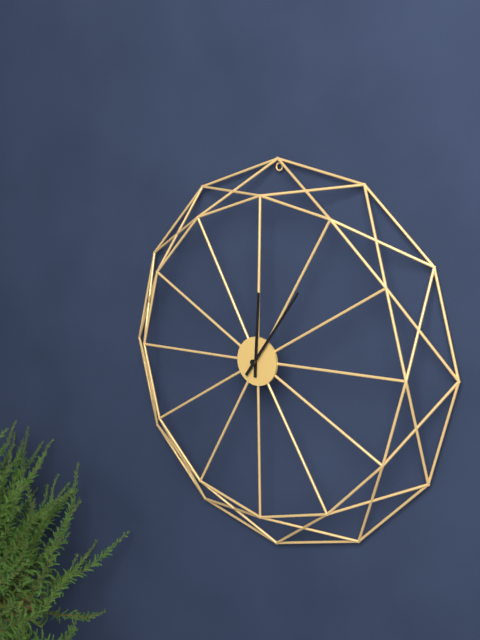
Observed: 12h06
